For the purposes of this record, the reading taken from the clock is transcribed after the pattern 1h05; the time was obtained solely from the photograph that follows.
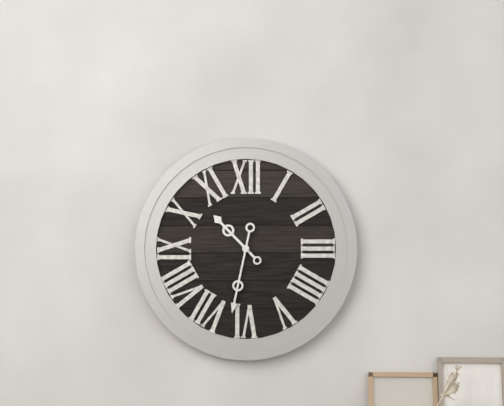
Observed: 10h32
